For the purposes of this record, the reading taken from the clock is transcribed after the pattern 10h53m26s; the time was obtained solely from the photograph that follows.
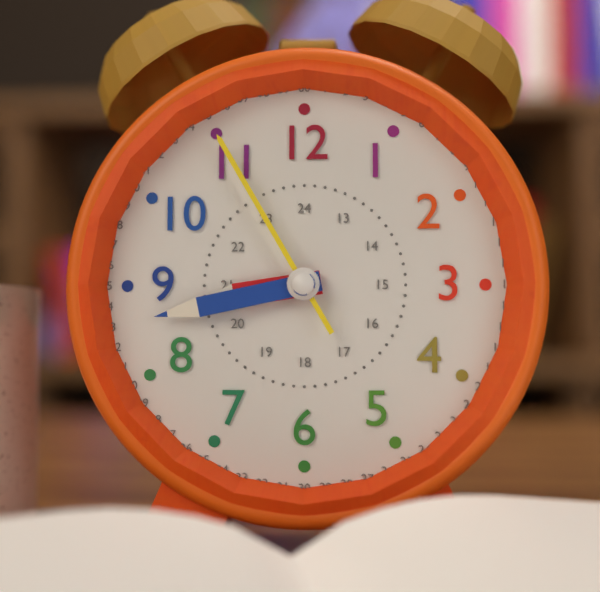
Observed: 8h43m55s
